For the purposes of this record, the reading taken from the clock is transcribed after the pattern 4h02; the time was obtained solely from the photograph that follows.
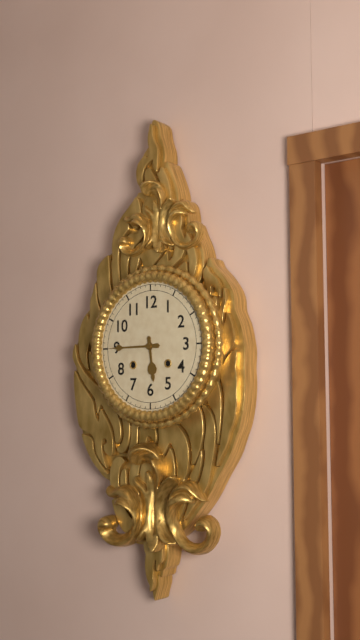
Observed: 5h45
